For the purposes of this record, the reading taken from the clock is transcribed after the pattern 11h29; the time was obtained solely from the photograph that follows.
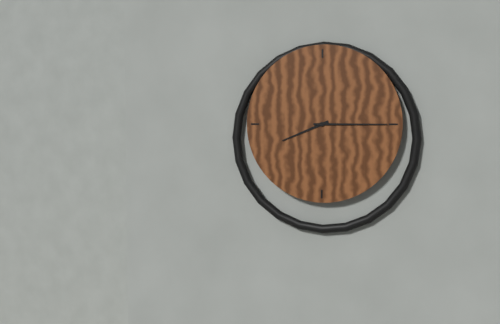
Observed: 8h15
